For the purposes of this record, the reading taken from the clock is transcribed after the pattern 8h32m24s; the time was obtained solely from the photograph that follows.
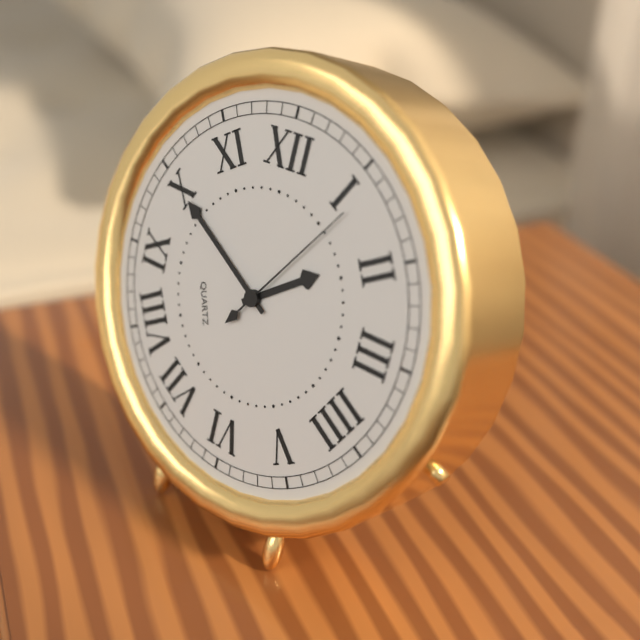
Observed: 1h50m06s
